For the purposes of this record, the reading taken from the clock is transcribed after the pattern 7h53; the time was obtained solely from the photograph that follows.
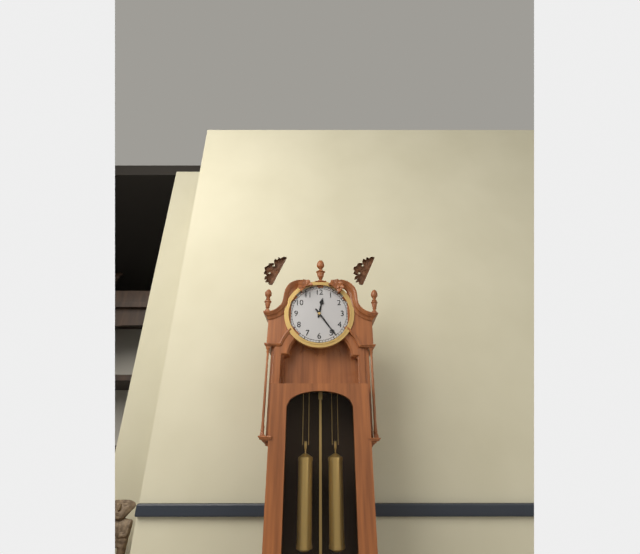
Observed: 12h24
